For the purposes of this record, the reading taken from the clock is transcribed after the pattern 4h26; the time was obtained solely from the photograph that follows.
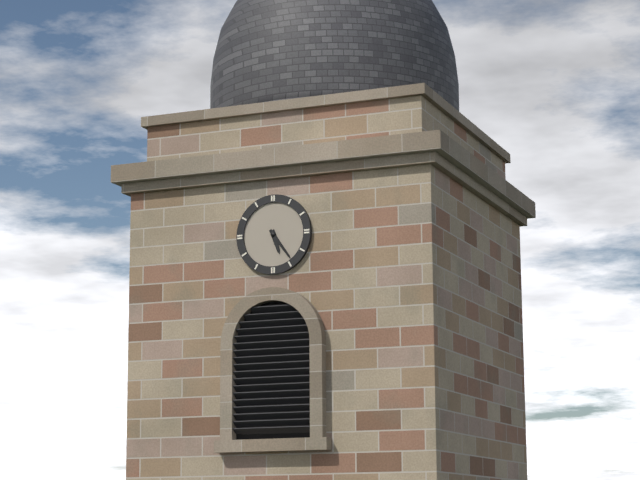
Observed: 5h24
